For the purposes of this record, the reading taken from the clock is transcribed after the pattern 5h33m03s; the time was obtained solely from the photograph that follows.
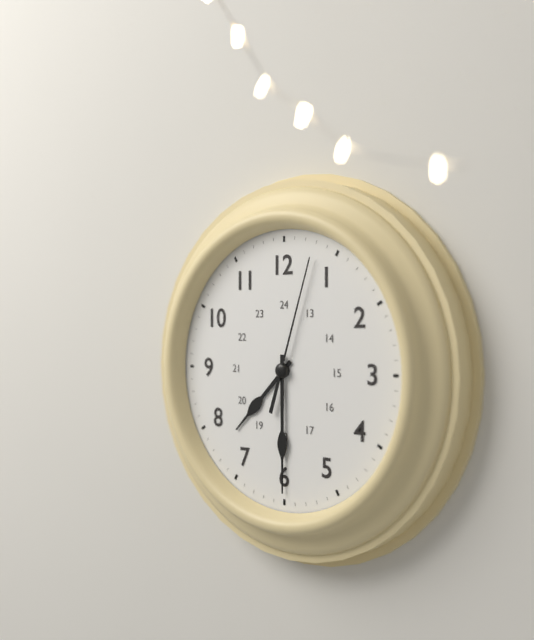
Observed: 7h30m03s
